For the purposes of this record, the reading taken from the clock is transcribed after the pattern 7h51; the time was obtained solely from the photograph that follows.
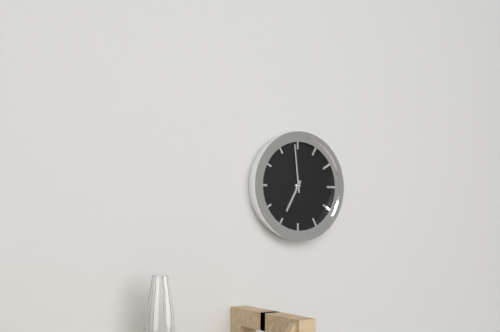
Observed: 6h59
